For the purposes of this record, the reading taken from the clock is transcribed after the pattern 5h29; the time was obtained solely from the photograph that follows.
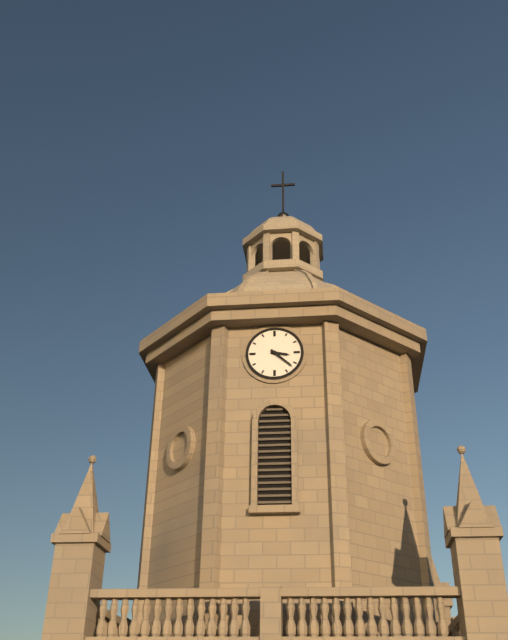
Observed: 3h22
